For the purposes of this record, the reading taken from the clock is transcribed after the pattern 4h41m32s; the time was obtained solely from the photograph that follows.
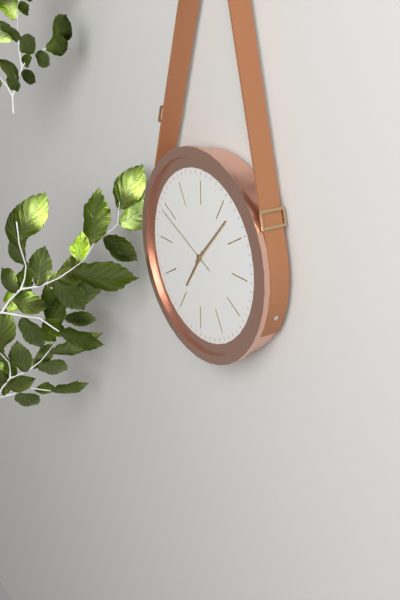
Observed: 7h07m49s
